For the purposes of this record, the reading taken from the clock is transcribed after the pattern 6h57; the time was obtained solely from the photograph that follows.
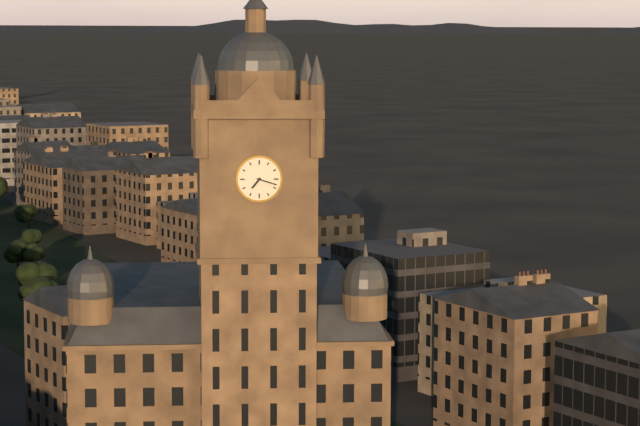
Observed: 7h18
